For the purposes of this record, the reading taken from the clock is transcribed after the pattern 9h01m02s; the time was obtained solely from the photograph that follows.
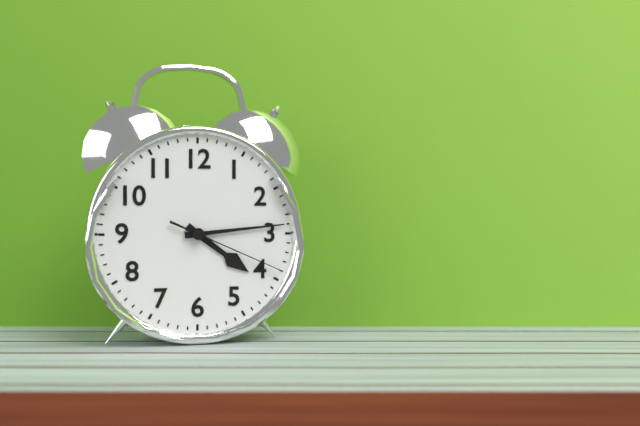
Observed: 4h14m19s
